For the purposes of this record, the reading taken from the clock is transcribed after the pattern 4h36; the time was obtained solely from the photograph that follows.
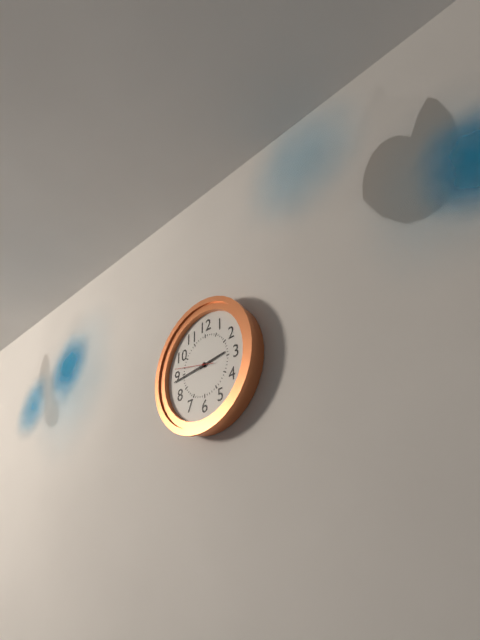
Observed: 2h44
